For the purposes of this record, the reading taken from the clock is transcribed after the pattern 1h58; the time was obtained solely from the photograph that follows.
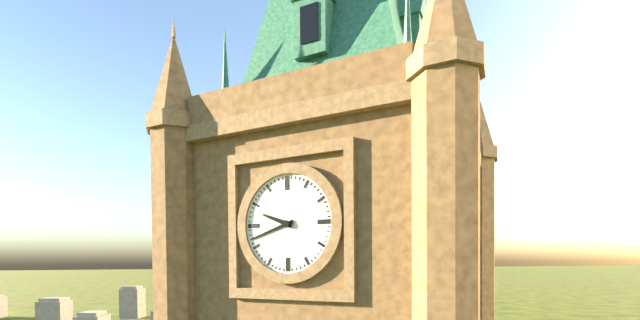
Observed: 9h42
